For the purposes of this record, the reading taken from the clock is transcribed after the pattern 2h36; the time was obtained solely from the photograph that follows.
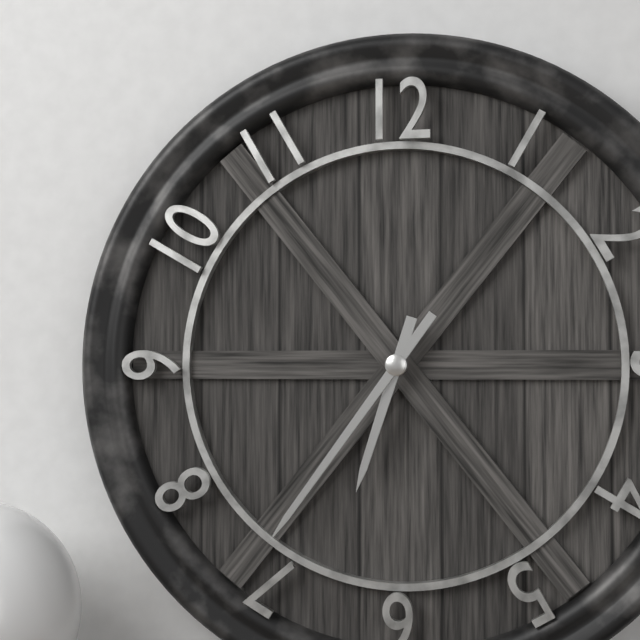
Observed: 6h36
